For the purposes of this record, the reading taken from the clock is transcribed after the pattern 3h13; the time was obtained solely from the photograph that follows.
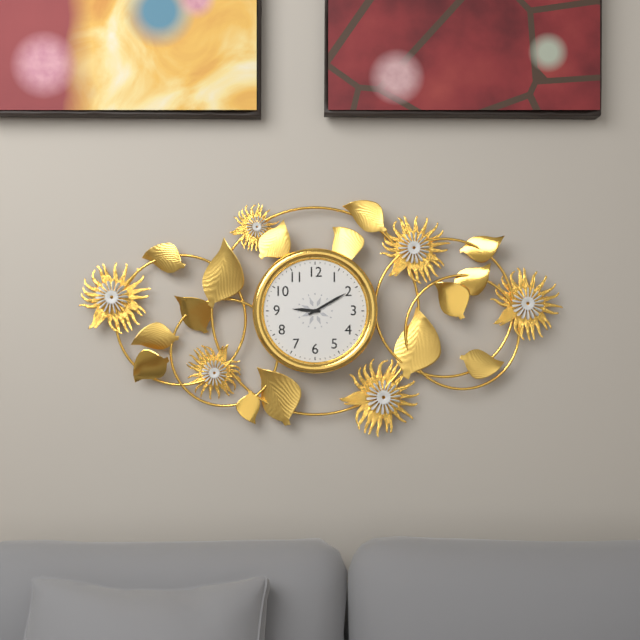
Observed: 9h10
